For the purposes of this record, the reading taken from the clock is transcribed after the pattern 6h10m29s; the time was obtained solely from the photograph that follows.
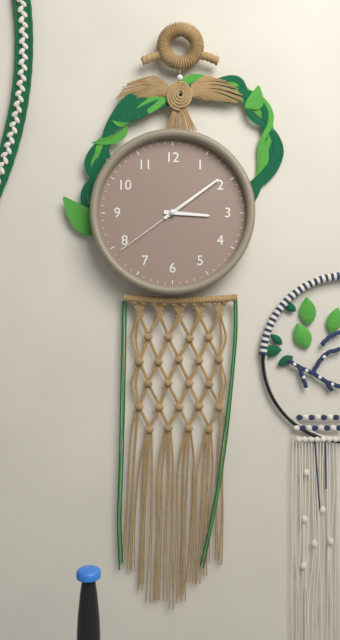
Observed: 3h09m39s
